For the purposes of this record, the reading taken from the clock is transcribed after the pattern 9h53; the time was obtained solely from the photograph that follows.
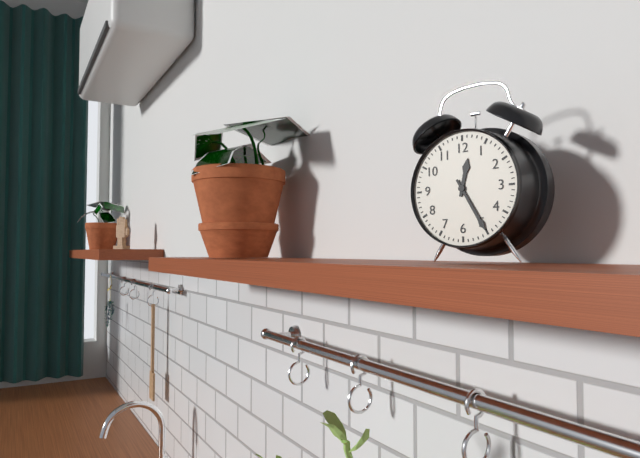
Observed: 12h25
